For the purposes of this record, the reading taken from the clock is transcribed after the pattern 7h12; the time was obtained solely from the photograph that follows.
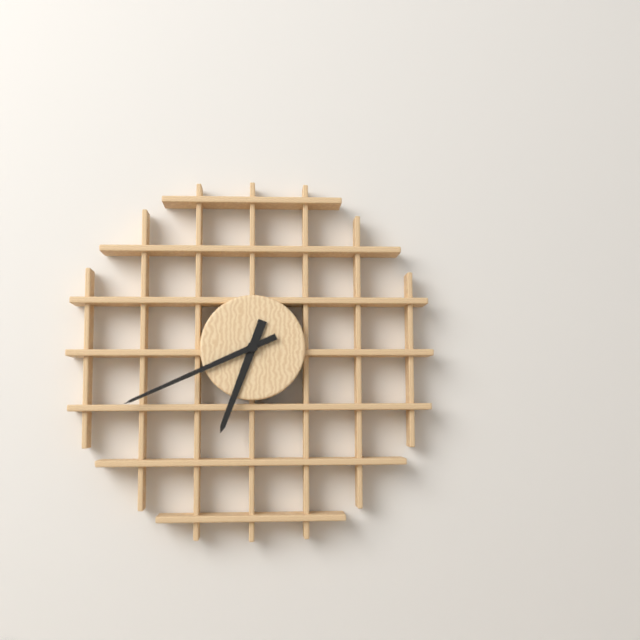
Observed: 6h41
